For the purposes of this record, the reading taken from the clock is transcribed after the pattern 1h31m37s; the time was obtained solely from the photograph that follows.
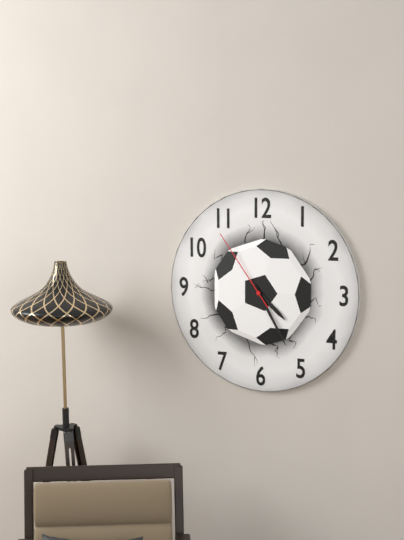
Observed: 4h25m54s
